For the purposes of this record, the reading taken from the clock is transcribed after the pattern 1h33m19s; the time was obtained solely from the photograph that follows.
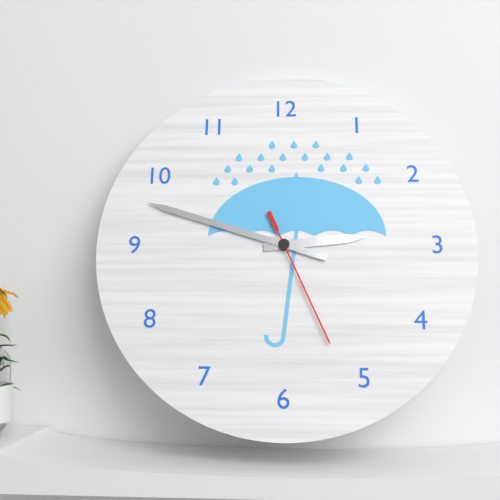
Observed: 2h48m26s
